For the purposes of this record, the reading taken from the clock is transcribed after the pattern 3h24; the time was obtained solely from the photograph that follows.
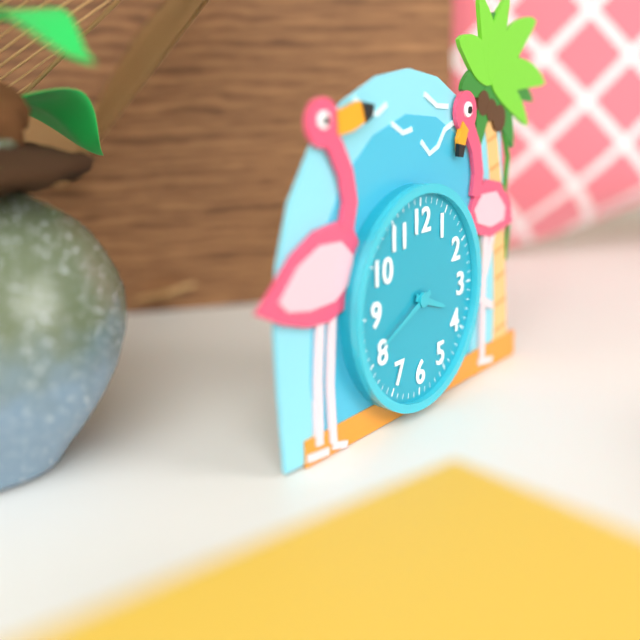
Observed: 3h41
